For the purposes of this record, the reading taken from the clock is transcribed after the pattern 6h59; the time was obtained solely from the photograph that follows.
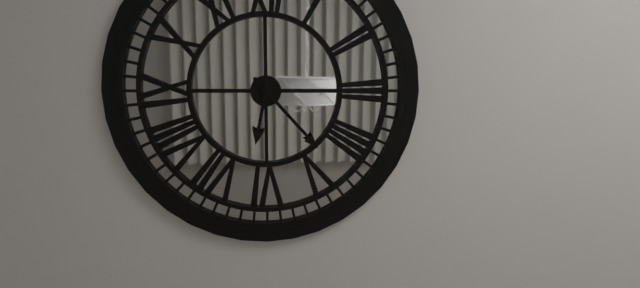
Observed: 6h23
